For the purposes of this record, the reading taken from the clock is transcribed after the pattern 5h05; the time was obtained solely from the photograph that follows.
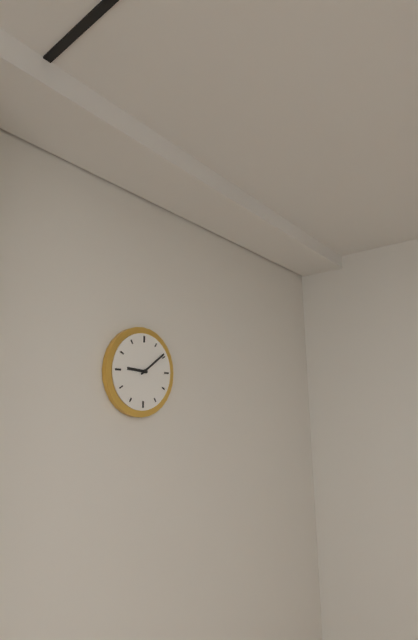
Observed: 9h09
